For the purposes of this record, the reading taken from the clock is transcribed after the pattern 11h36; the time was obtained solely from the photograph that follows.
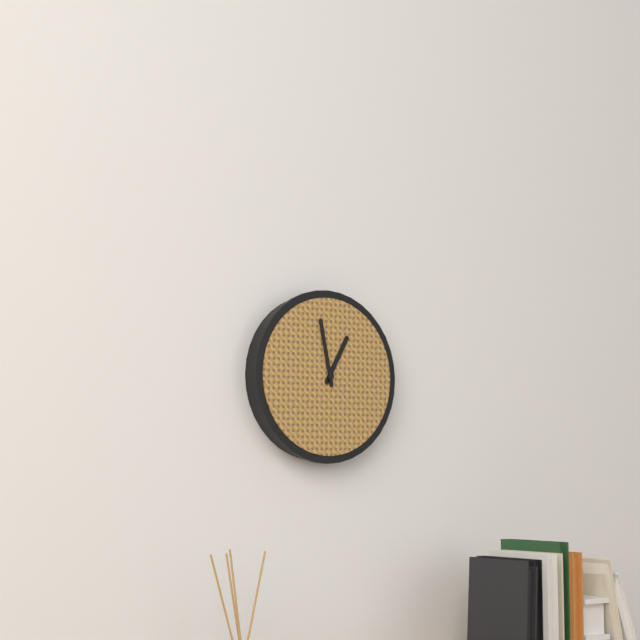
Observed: 12h58
